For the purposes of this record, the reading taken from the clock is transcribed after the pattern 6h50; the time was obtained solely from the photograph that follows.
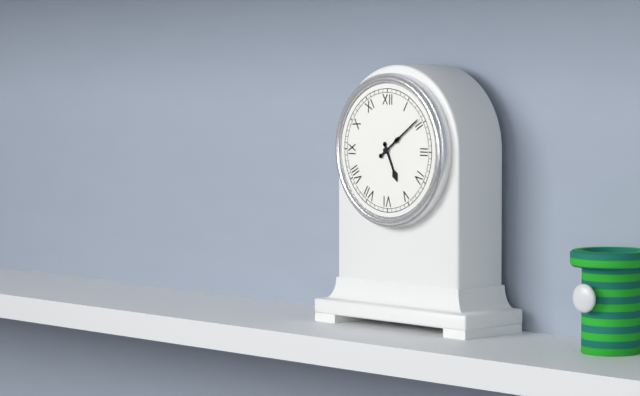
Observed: 5h09
